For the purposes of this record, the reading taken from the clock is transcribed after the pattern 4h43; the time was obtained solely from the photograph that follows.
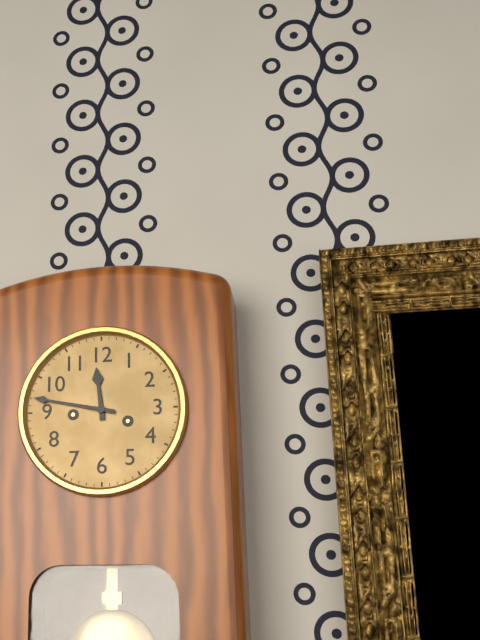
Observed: 11h47
